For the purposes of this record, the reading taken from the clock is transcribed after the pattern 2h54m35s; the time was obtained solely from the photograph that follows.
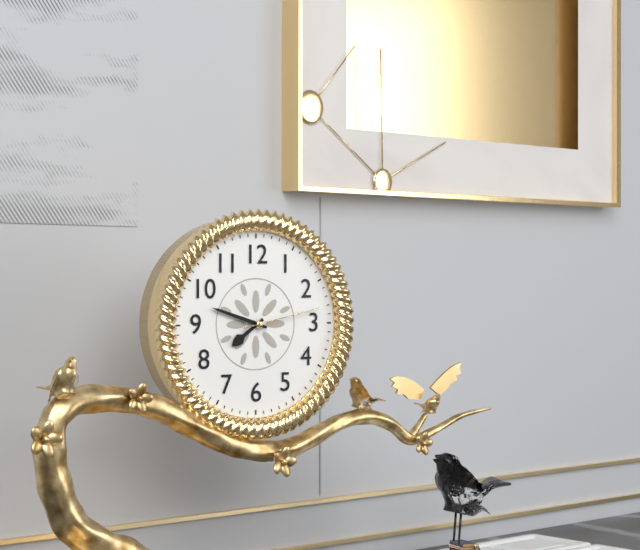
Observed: 7h48m13s
